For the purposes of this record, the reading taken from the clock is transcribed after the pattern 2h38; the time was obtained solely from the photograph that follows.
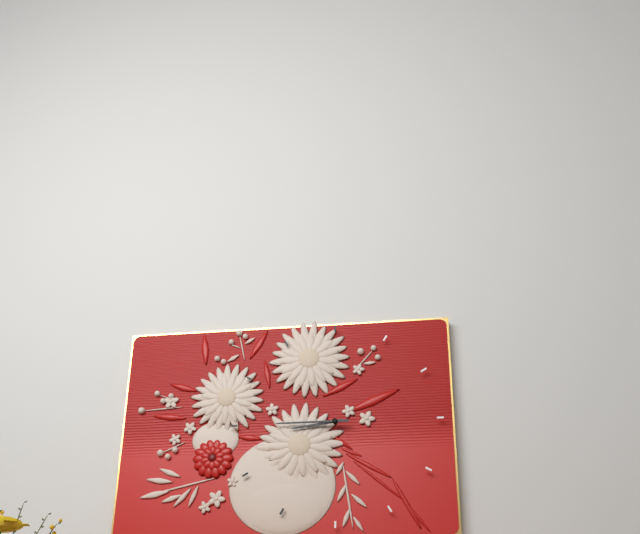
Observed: 8h45
